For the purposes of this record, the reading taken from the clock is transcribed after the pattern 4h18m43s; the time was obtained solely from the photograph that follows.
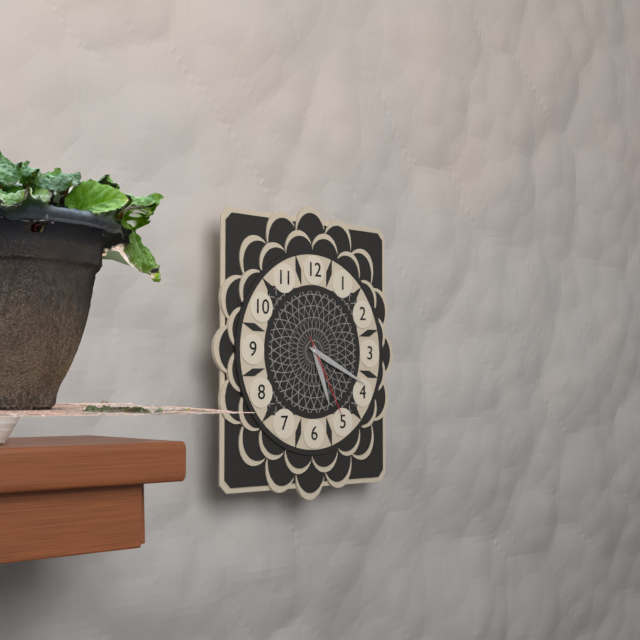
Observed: 5h19m25s
